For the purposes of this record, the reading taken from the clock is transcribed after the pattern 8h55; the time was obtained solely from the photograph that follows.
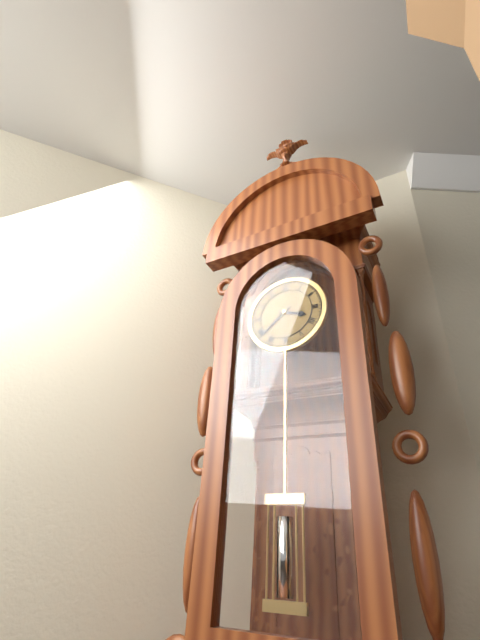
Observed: 3h38
